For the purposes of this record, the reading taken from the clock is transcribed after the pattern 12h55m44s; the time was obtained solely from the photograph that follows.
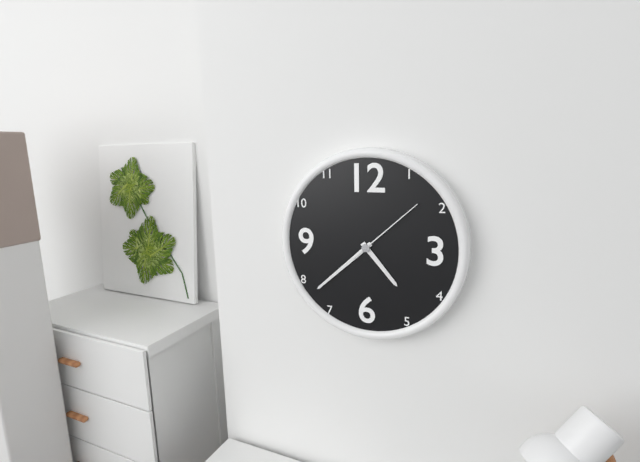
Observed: 4h38m08s
